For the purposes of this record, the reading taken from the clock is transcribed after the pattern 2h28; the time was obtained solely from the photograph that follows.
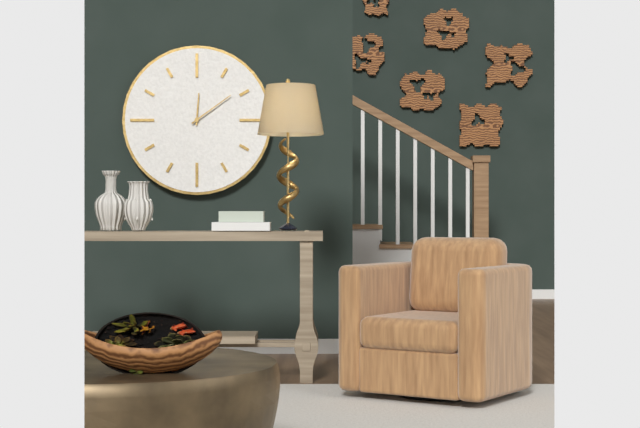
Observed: 12h09
